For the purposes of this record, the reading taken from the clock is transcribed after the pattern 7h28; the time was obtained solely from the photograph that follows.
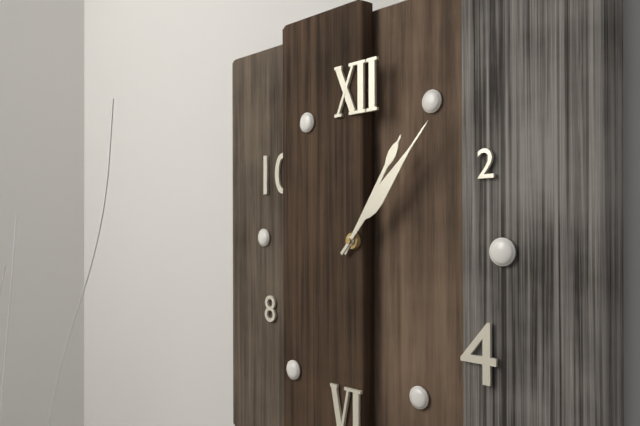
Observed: 1h07
